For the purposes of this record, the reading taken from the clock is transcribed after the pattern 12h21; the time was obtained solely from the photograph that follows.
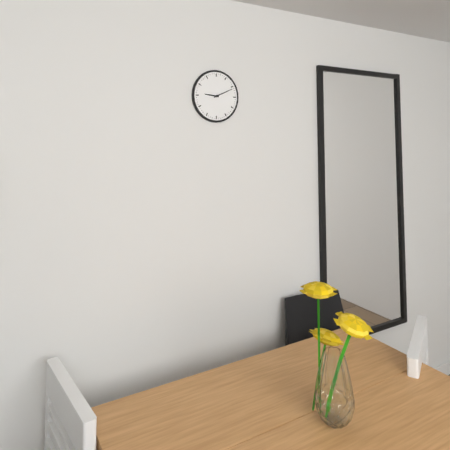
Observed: 9h11
